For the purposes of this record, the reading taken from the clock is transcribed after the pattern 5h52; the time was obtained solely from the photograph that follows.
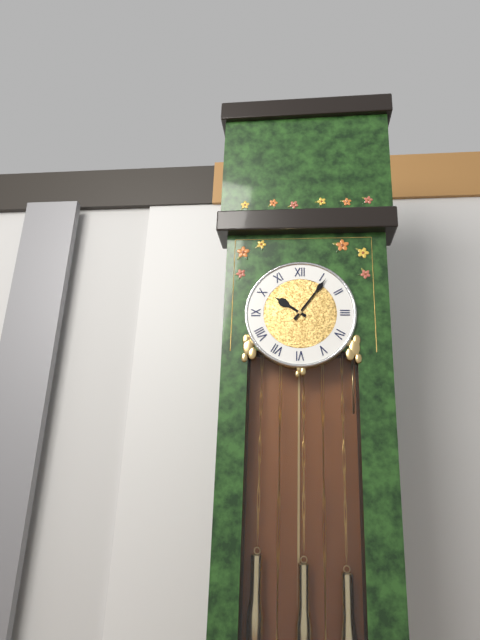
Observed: 10h06
